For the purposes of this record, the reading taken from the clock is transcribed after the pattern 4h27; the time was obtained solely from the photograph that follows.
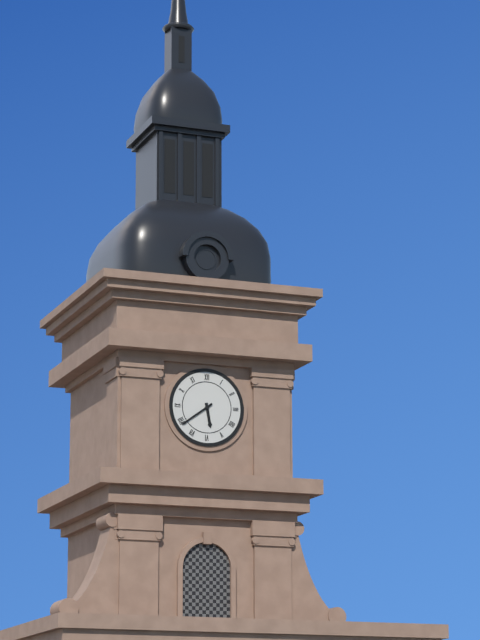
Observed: 5h39
